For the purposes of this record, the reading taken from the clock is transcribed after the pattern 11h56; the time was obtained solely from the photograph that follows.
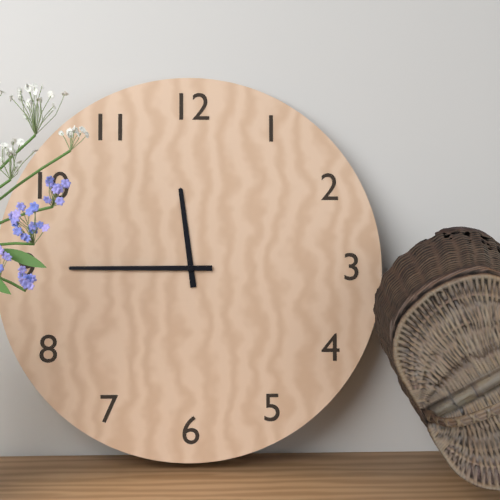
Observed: 11h45
